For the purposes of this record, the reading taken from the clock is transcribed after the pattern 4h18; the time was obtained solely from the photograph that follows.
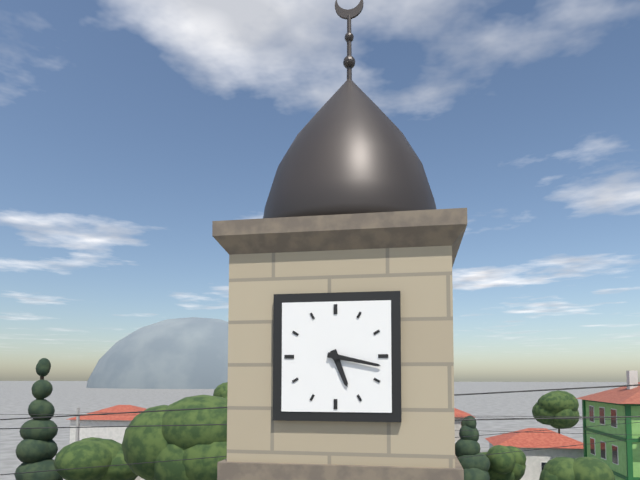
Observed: 5h17
